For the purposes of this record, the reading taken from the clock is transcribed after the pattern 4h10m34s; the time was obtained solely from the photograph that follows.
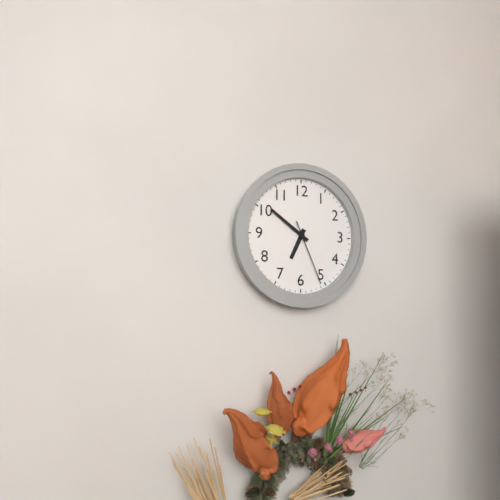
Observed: 6h51m26s
